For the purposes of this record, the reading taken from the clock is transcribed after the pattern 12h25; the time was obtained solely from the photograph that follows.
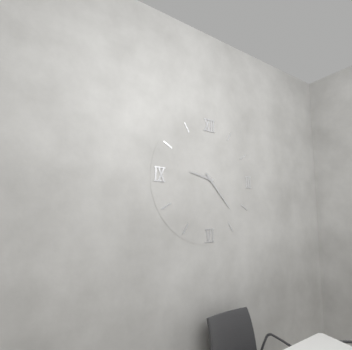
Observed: 9h23
